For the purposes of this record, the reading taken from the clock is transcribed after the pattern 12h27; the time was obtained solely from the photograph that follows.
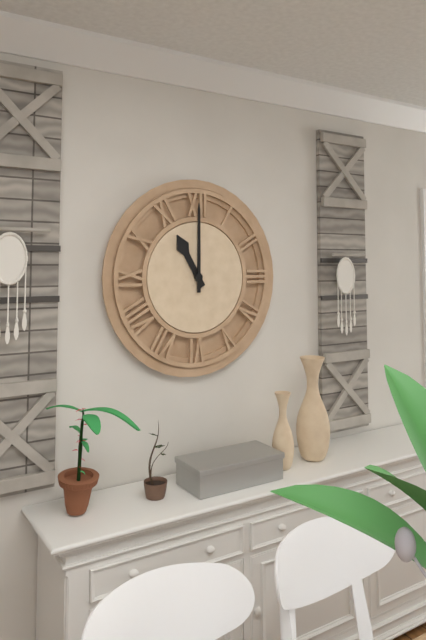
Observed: 11h00
